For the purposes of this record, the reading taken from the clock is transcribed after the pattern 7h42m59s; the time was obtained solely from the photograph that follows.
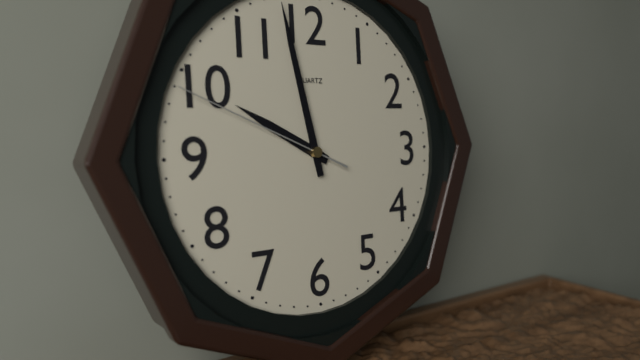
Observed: 9h58m49s
